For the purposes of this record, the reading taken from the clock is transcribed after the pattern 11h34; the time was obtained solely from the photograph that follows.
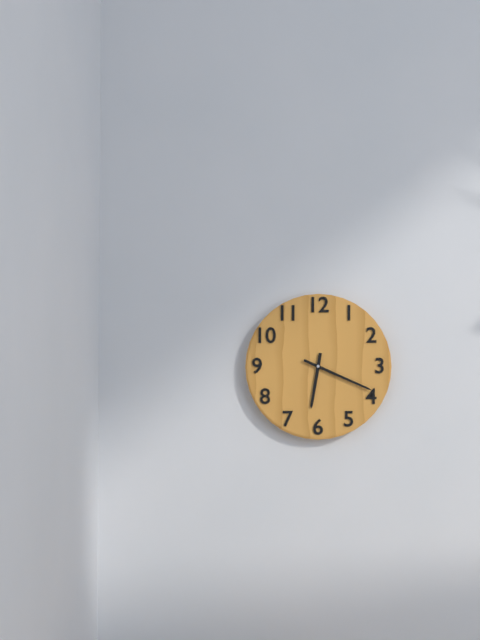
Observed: 6h19
